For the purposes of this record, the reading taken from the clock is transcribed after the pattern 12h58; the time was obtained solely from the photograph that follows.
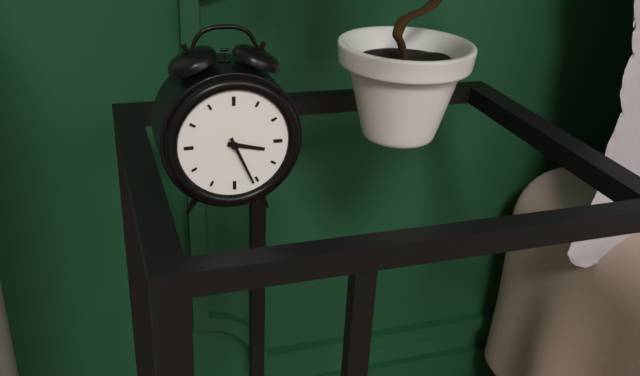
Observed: 3h26
